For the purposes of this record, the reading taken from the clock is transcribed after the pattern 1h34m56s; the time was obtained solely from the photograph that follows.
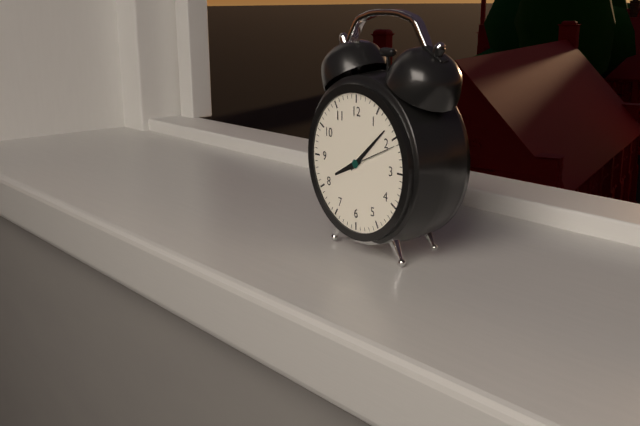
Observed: 8h08m11s
